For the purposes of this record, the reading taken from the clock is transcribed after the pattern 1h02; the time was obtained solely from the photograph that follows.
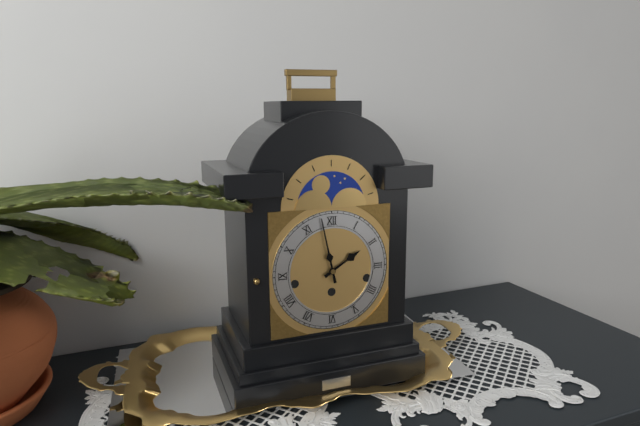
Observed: 1h58
